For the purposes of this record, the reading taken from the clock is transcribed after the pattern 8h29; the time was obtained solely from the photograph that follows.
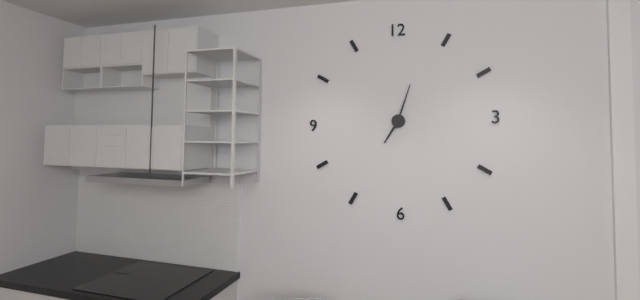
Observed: 7h03
